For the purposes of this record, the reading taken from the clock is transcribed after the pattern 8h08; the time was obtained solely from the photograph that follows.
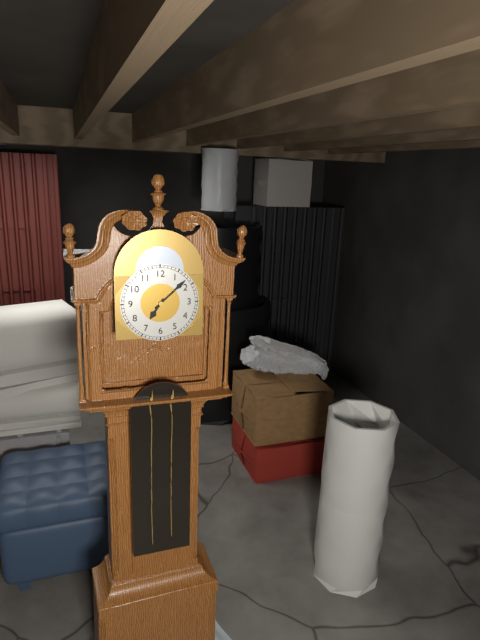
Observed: 7h08
